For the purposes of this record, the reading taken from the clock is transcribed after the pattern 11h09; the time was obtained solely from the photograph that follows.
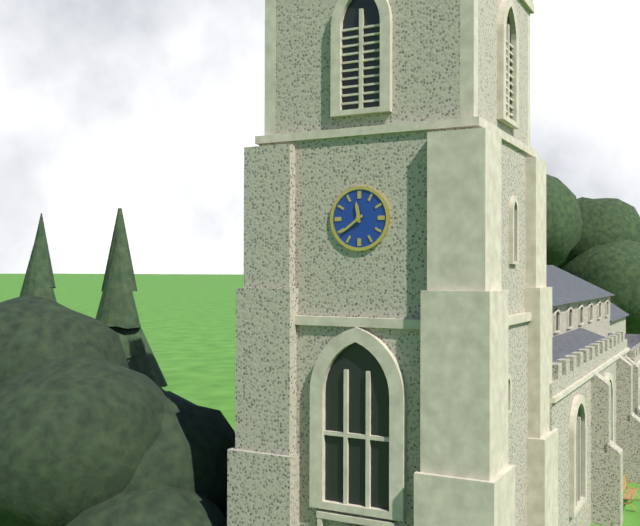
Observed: 11h39
